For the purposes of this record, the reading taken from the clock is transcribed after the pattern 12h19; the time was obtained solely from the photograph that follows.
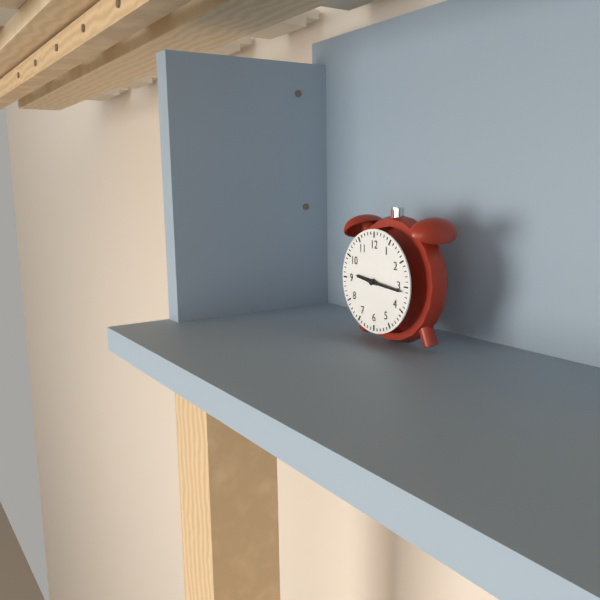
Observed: 9h16
